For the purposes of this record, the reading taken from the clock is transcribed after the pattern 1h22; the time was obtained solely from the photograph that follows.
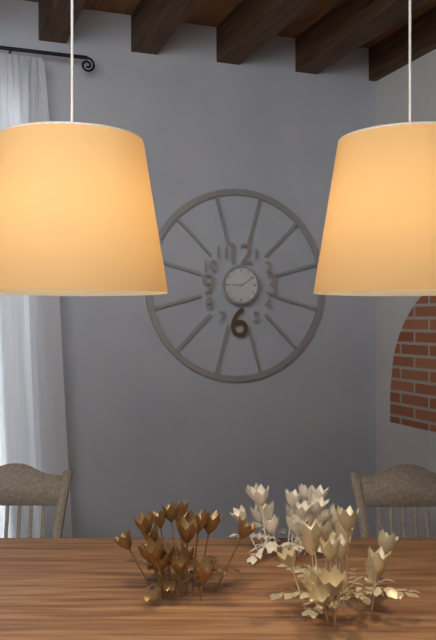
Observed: 9h09
